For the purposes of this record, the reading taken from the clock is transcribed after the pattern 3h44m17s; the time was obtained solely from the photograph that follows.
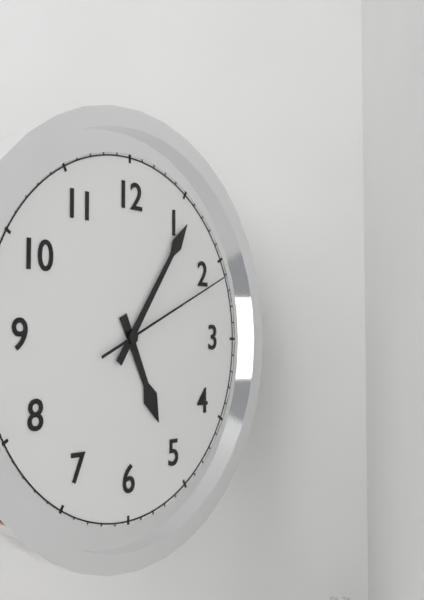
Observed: 5h06m11s
